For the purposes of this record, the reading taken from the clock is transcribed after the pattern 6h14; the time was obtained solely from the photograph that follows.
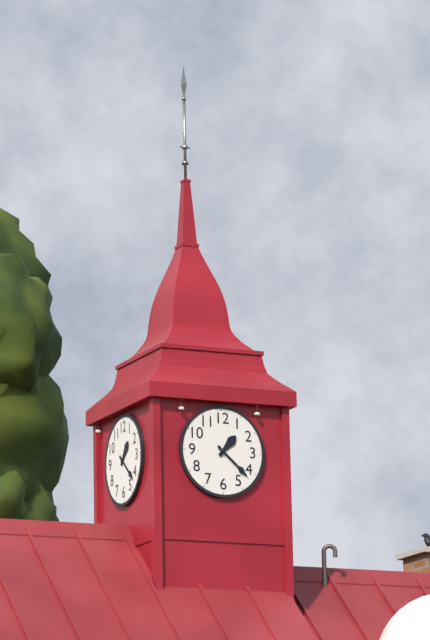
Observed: 1h22
